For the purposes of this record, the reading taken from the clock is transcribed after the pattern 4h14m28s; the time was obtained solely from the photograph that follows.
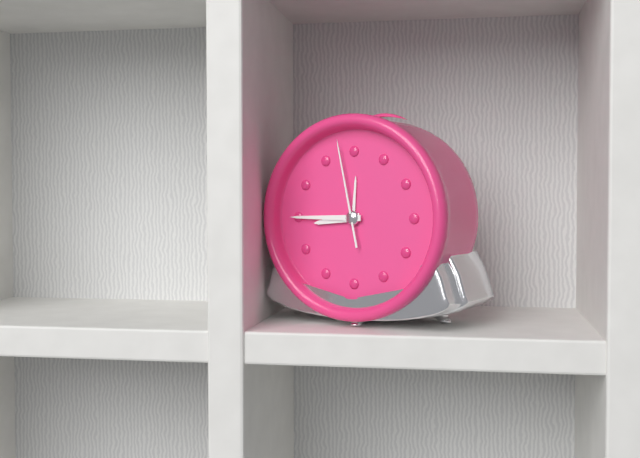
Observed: 8h45m58s
